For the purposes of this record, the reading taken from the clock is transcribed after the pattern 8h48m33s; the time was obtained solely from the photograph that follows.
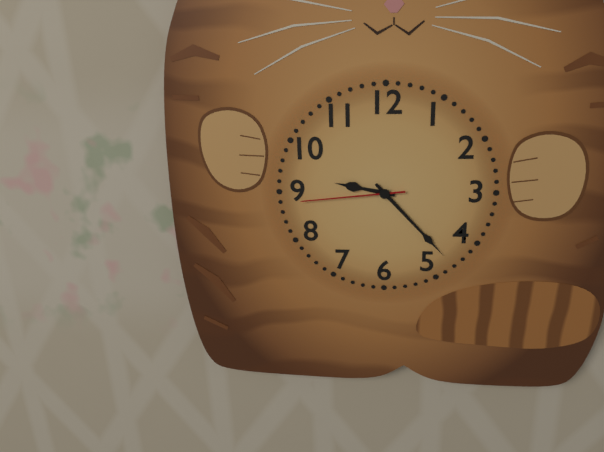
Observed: 9h23m44s
